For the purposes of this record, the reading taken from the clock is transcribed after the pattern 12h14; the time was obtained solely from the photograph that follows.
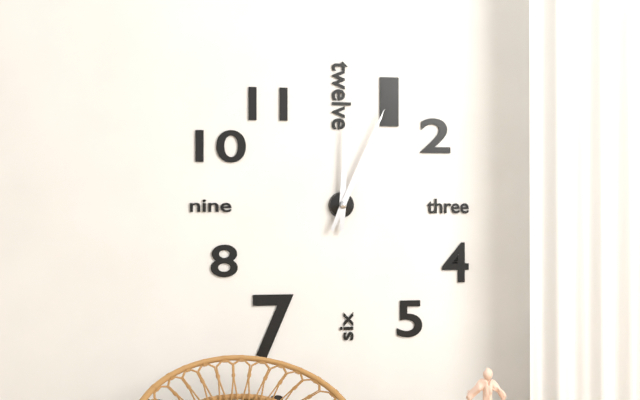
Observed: 12h04
